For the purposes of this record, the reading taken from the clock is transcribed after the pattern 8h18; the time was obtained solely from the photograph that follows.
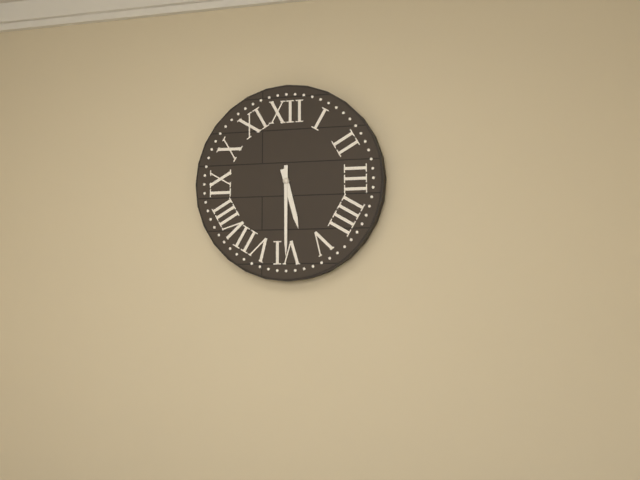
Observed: 5h30
